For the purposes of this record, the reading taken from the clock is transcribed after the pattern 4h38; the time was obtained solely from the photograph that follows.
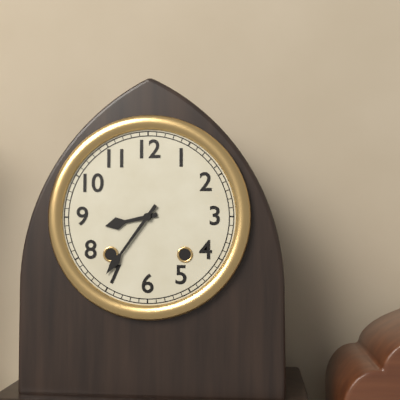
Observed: 8h36
